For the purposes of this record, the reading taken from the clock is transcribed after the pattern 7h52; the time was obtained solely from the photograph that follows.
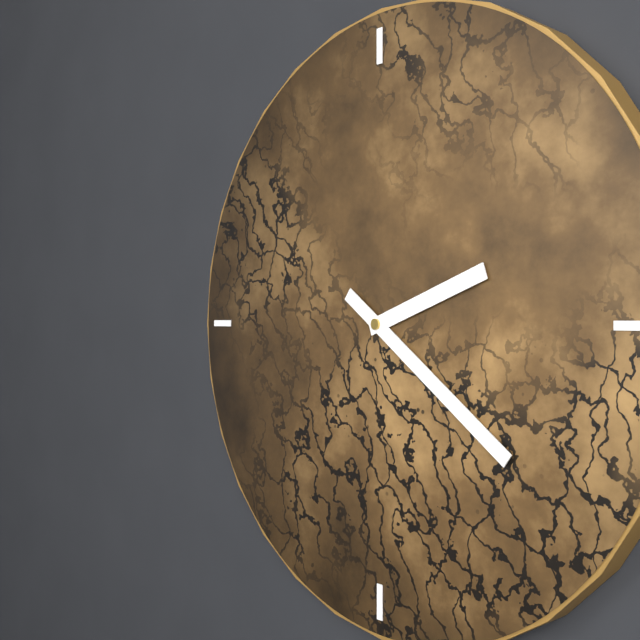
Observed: 2h21
